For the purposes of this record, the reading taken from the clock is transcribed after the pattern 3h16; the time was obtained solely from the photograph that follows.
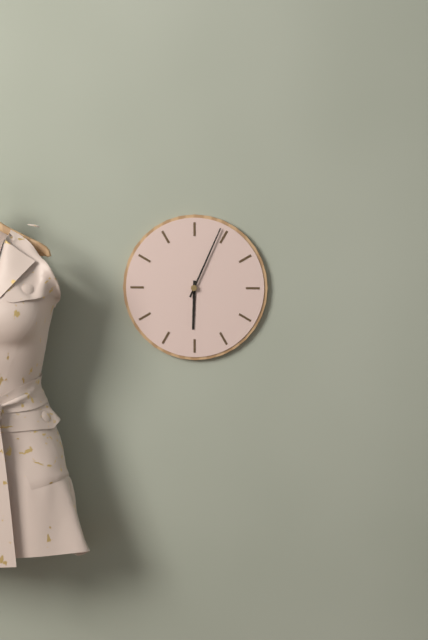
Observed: 6h04
